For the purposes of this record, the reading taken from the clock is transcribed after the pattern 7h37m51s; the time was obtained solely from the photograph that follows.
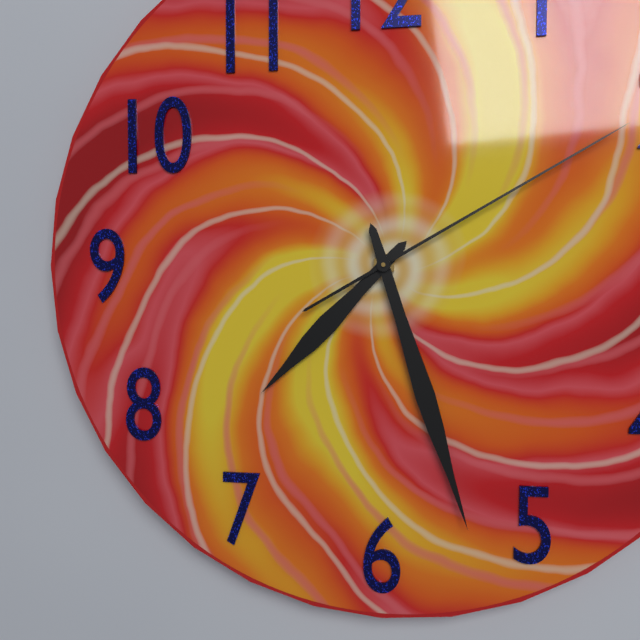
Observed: 7h27m10s
